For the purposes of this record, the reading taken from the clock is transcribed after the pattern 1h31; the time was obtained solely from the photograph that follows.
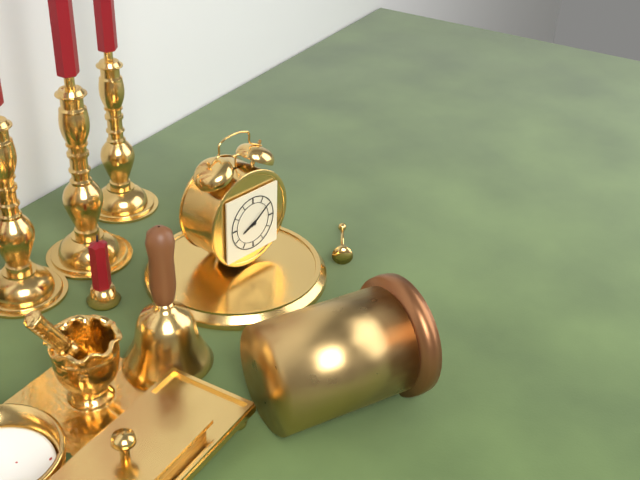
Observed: 8h09
